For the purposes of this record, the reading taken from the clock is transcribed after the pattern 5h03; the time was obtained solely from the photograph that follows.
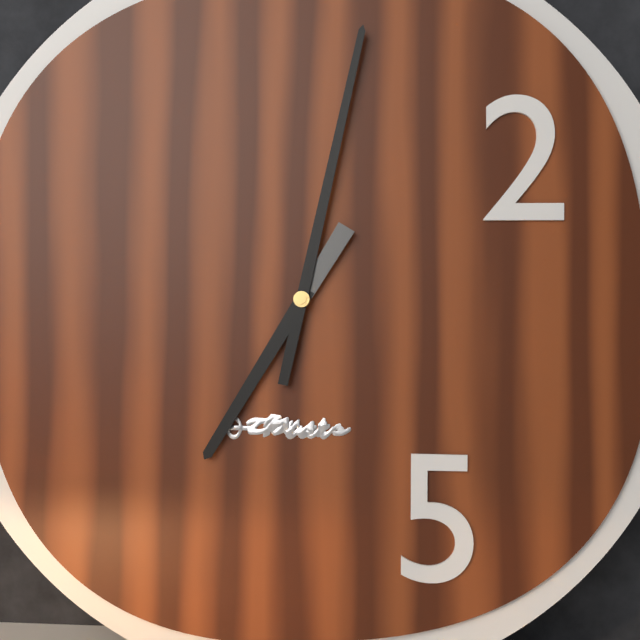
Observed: 7h02
